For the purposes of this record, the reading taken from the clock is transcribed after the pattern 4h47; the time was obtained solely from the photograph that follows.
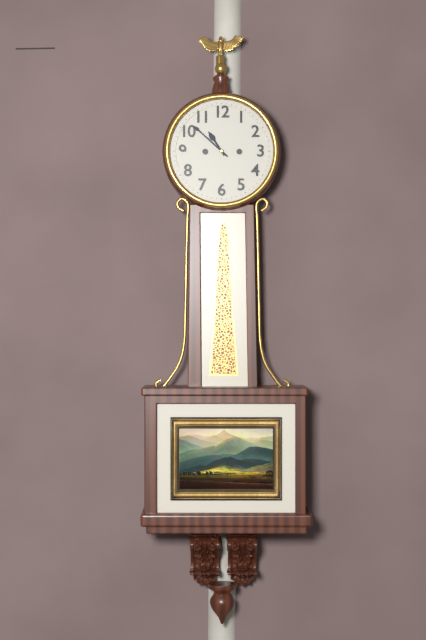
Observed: 10h52
